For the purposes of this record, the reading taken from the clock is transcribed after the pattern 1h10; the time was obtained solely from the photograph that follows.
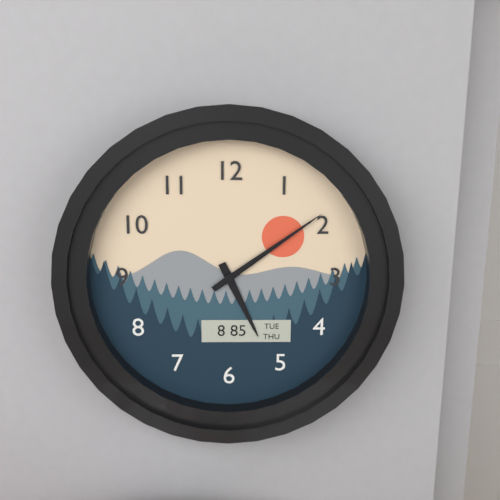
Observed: 5h09
